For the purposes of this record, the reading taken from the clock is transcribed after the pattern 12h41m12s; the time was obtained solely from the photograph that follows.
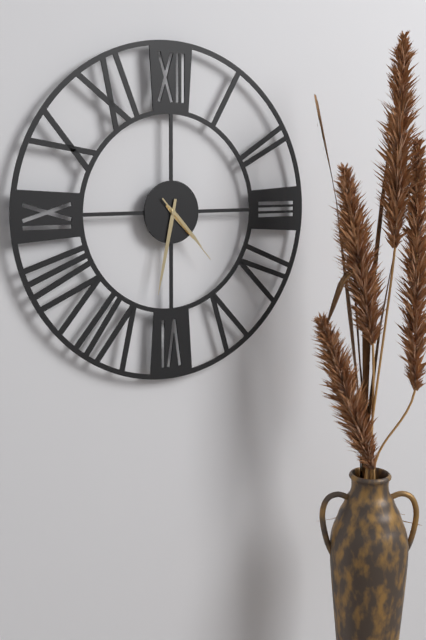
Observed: 4h32m23s
